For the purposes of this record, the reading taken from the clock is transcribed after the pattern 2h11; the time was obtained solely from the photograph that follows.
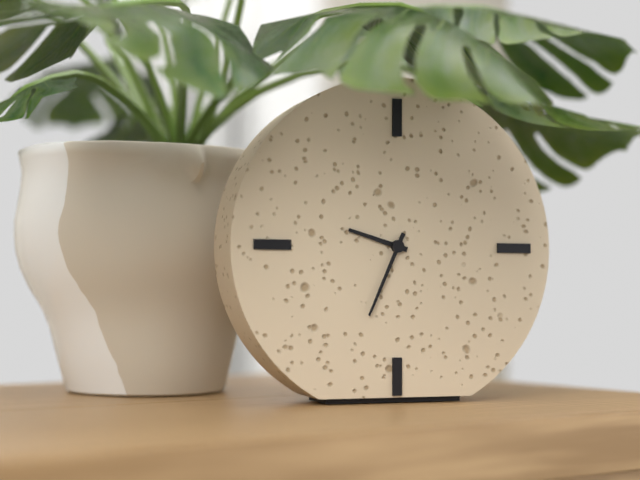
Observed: 9h34
